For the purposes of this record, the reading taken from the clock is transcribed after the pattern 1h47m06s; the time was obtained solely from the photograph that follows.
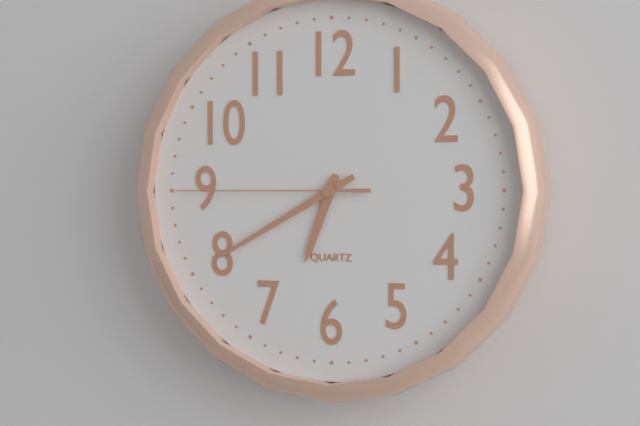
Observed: 6h40m45s
